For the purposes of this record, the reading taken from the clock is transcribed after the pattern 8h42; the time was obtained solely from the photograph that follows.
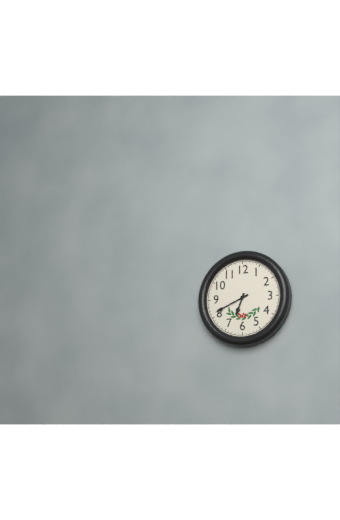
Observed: 6h41
